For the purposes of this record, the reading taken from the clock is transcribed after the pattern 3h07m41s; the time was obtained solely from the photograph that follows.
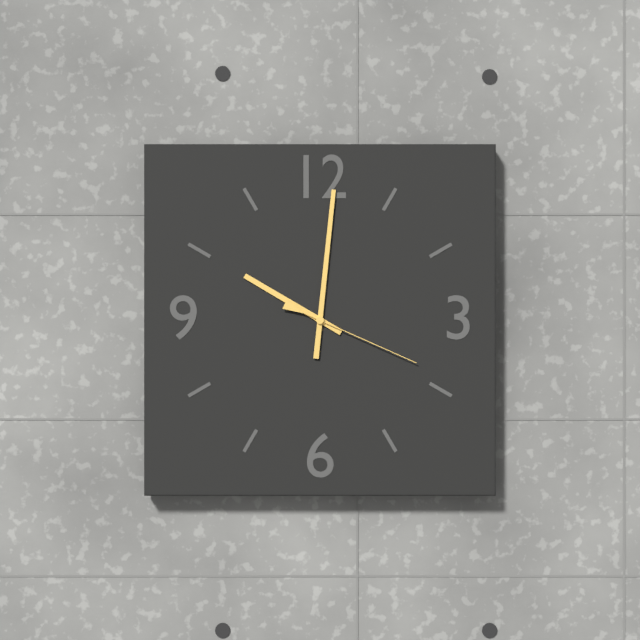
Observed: 10h01m19s
